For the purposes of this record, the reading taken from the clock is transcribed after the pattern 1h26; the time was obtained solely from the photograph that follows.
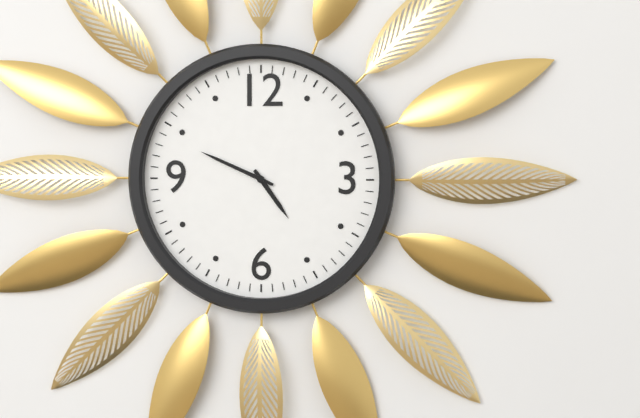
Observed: 4h49
